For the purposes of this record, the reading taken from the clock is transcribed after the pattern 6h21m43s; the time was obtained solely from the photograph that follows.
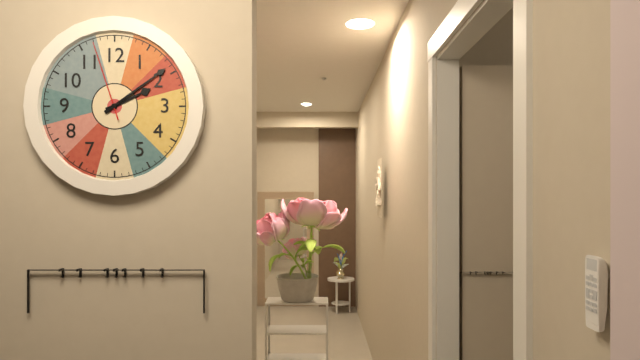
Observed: 2h09m57s
